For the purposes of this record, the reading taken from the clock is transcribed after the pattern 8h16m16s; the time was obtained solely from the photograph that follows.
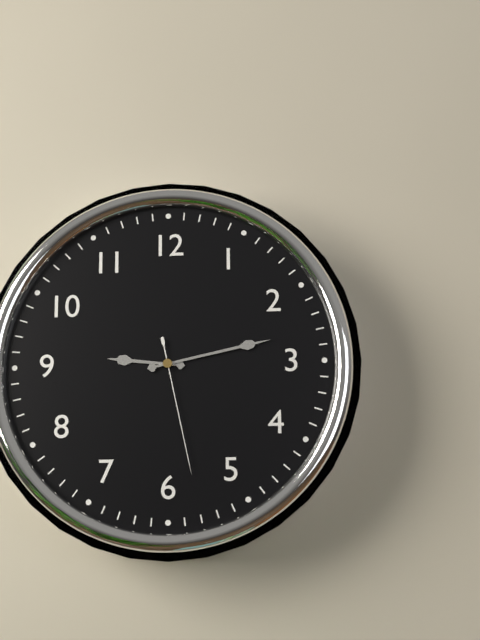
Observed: 9h13m28s
